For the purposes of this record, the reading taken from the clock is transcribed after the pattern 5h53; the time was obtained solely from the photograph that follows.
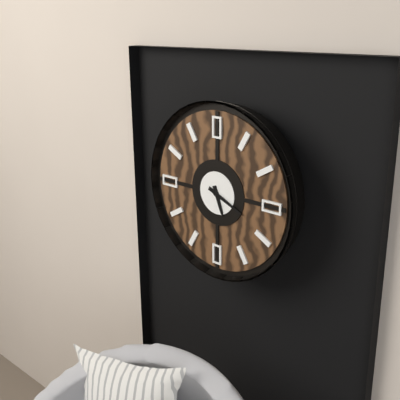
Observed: 5h19
